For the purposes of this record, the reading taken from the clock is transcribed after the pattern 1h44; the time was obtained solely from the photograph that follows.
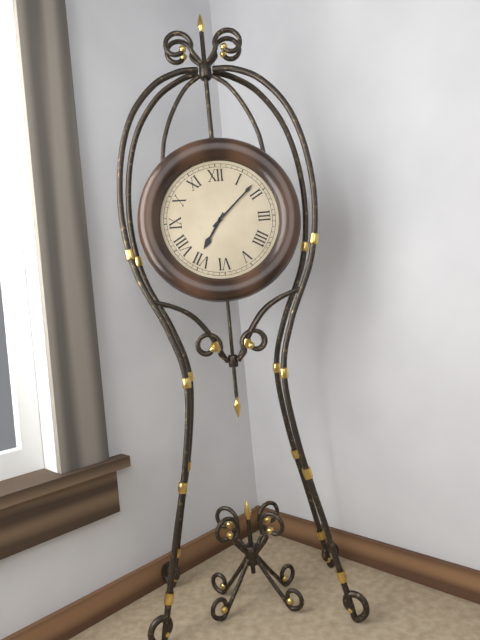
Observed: 7h08
